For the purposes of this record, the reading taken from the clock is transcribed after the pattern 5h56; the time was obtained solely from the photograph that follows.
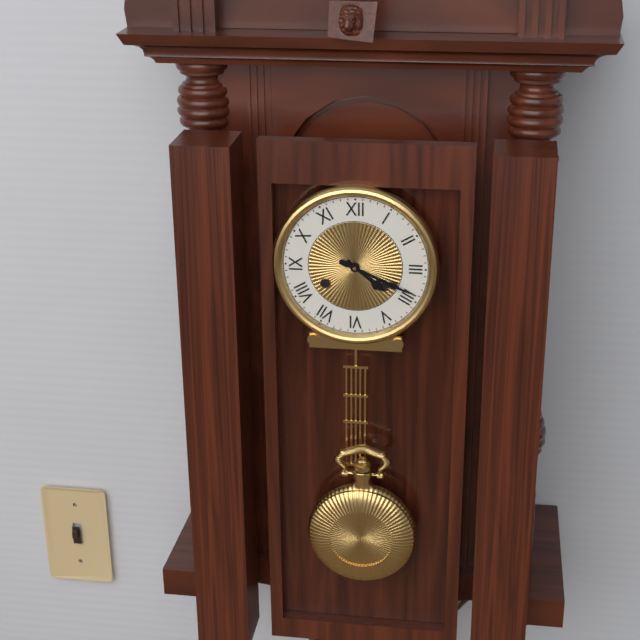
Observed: 4h19
